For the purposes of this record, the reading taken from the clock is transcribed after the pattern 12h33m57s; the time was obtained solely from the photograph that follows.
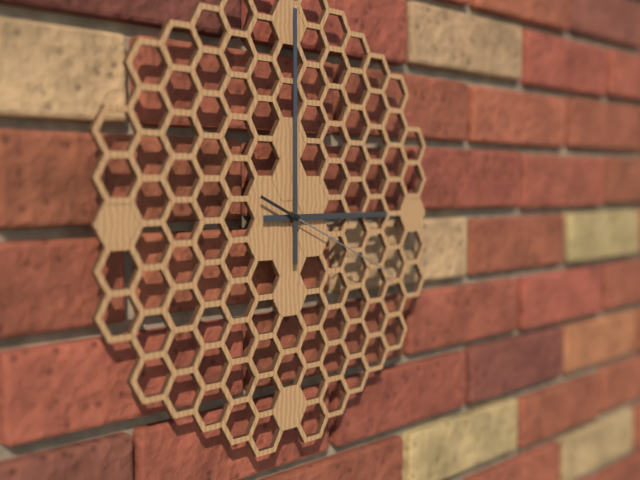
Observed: 3h00m19s
